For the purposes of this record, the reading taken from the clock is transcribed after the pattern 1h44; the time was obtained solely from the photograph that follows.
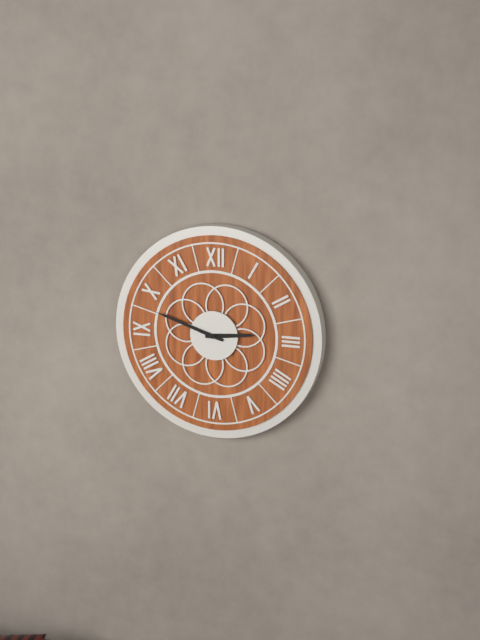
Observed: 2h48
